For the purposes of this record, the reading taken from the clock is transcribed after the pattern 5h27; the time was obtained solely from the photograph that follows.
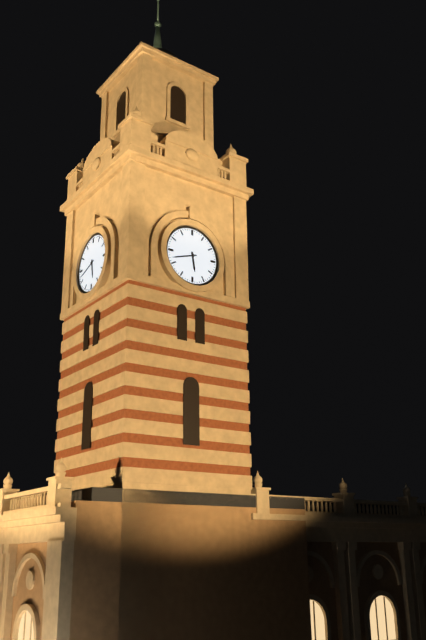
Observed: 5h42
